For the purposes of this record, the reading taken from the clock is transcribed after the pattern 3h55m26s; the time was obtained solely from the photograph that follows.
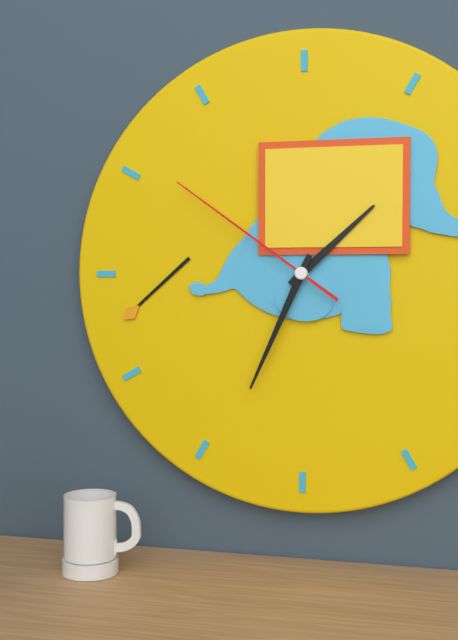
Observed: 1h34m51s
